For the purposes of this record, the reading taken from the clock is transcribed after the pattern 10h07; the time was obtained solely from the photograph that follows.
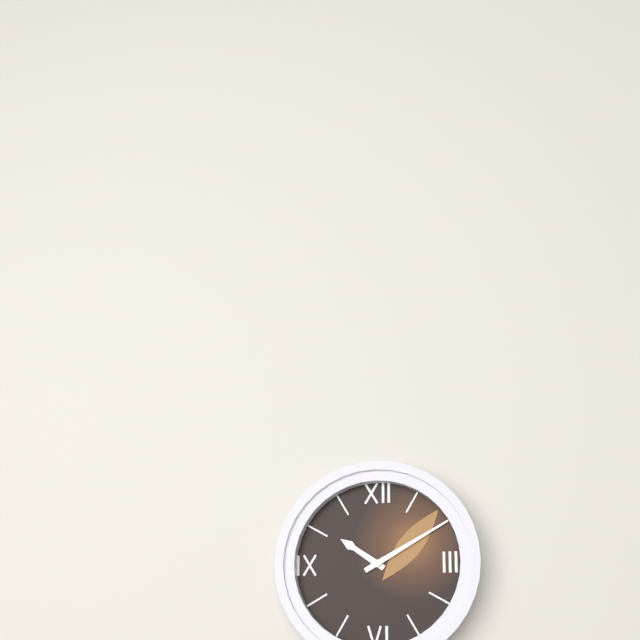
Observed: 10h10
